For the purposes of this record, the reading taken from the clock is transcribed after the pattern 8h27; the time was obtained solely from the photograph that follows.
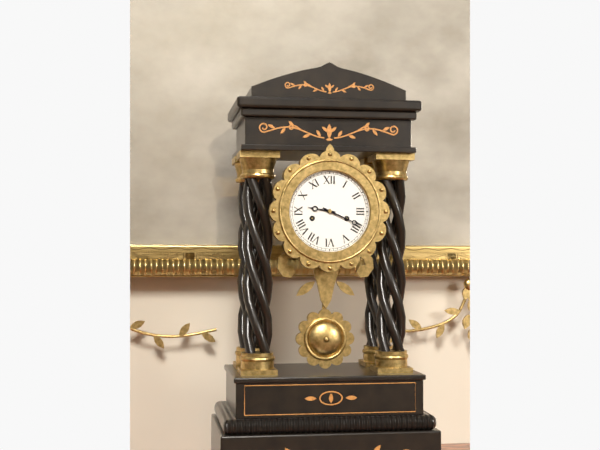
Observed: 9h19
